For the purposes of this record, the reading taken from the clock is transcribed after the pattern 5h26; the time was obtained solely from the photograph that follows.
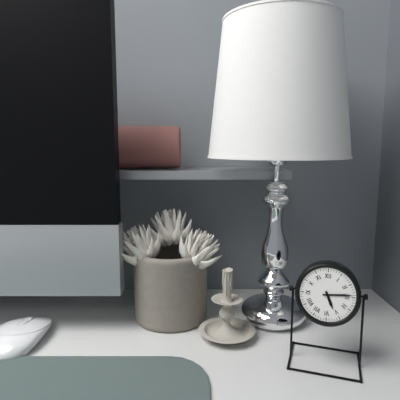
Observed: 5h14
